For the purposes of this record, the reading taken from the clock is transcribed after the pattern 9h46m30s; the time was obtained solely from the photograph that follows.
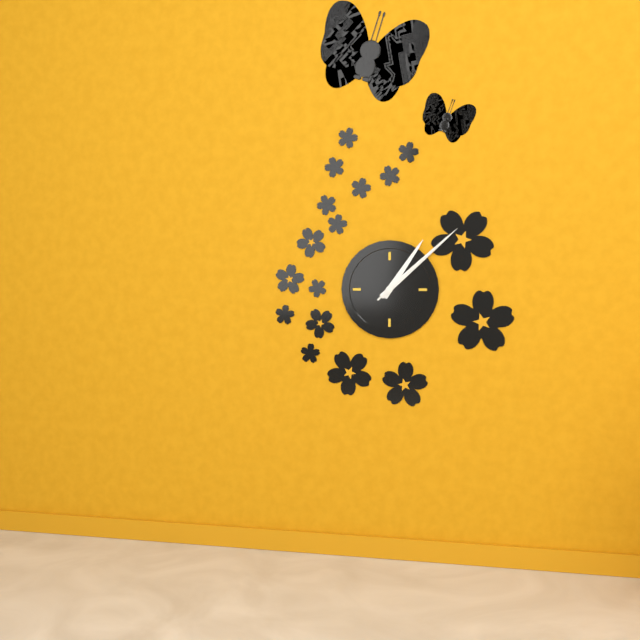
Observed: 1h08m08s
